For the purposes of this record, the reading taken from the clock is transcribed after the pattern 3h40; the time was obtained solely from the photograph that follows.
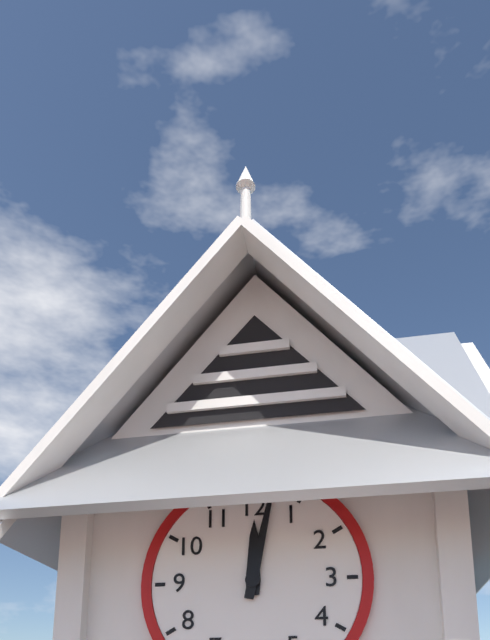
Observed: 12h02
